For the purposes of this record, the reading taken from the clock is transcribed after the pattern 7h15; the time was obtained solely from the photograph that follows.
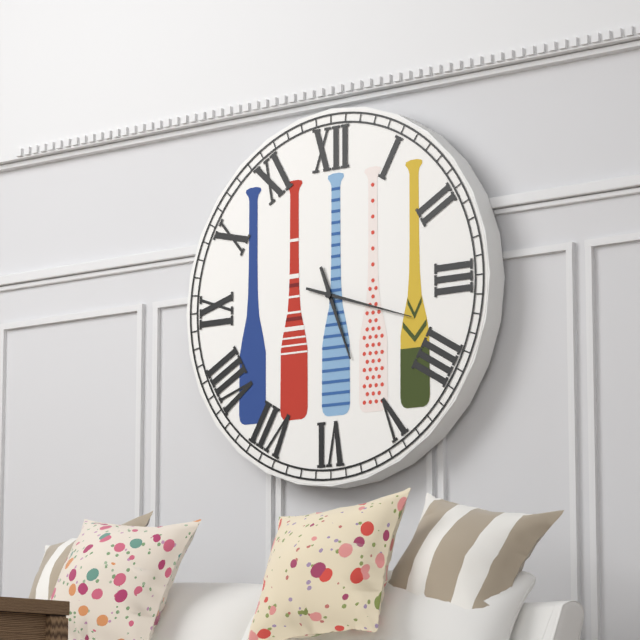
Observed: 5h18
